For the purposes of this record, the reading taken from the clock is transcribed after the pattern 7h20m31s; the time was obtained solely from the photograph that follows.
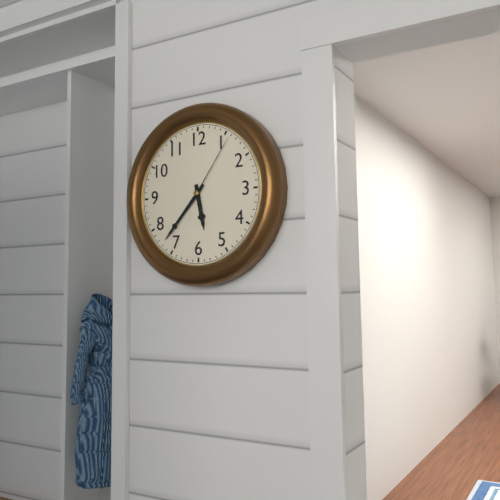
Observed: 5h37m06s
